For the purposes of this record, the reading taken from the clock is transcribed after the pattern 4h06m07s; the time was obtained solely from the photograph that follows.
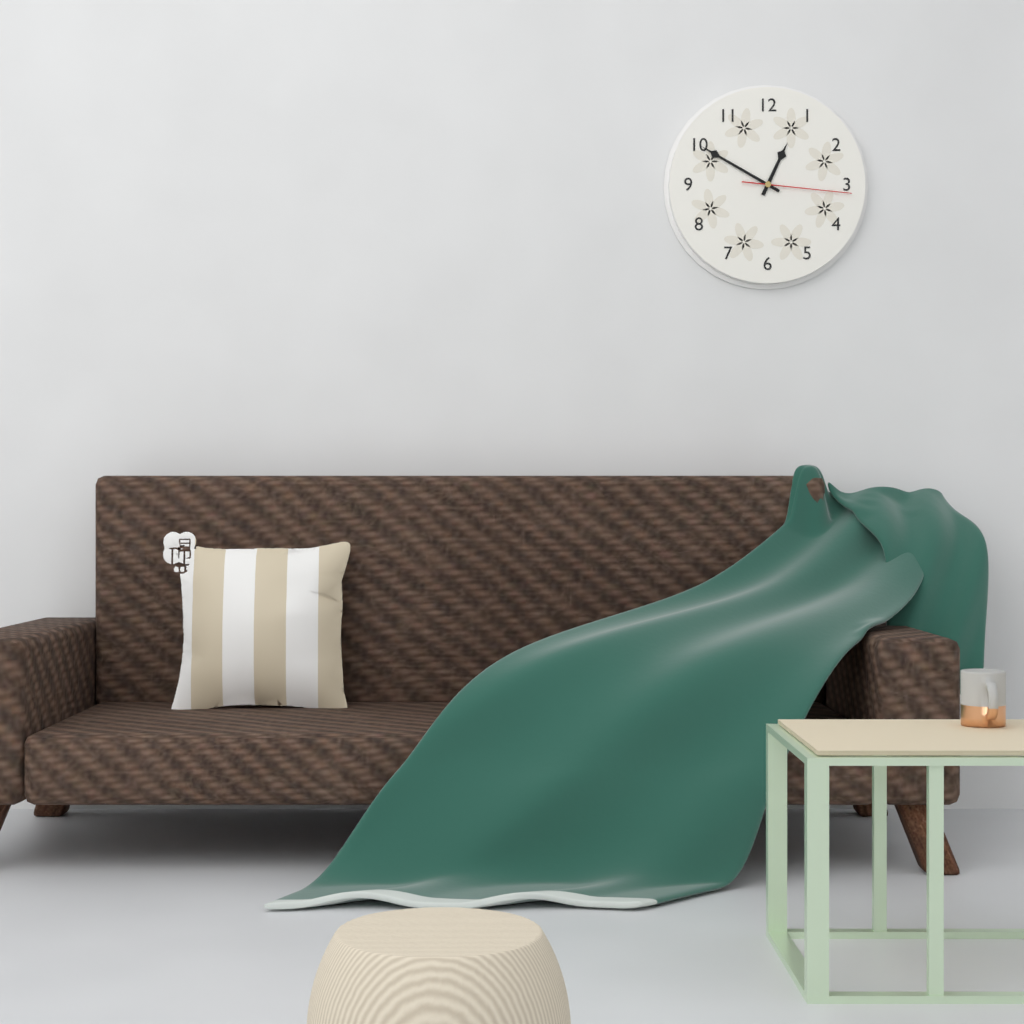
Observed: 12h50m16s
